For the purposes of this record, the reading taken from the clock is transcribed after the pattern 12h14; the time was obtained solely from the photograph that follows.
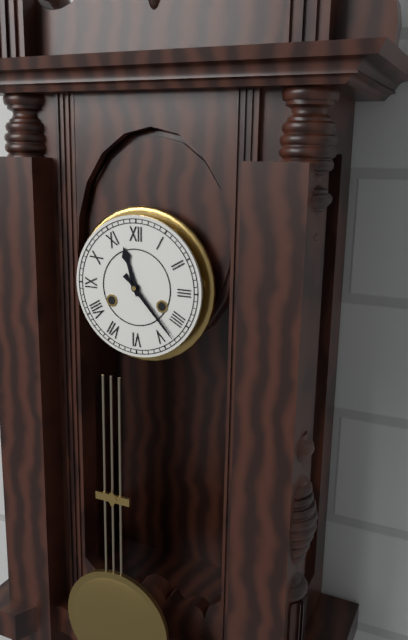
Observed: 11h23
